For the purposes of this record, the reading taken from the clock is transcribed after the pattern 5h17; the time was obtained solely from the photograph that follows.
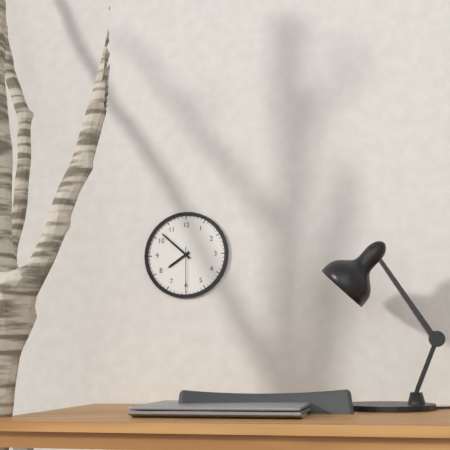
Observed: 7h52
